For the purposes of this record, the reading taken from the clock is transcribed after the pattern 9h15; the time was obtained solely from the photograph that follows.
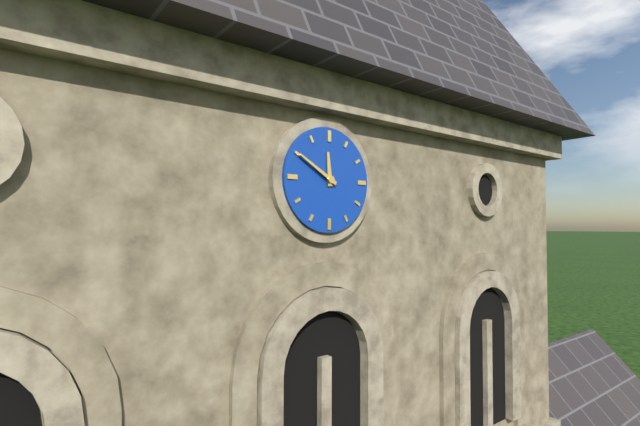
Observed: 11h50
